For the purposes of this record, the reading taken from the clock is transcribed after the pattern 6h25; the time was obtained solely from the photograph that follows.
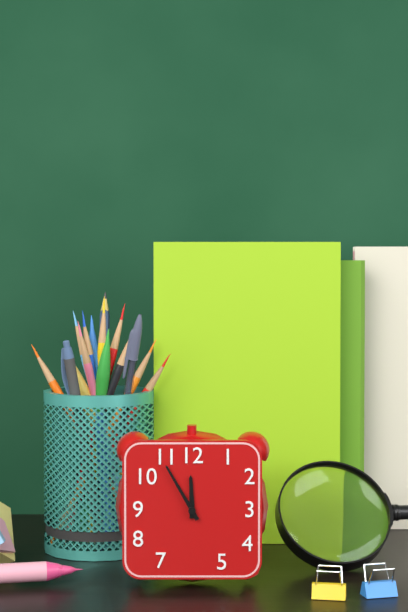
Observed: 11h55
